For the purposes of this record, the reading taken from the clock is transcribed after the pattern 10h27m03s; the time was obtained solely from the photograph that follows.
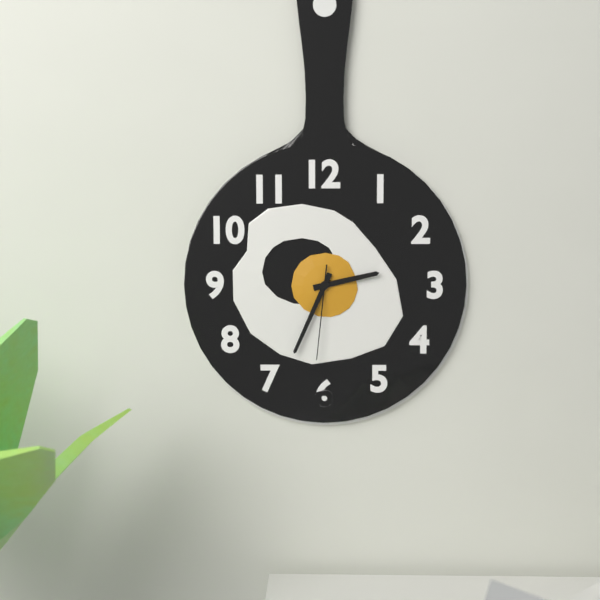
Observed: 2h34m31s
